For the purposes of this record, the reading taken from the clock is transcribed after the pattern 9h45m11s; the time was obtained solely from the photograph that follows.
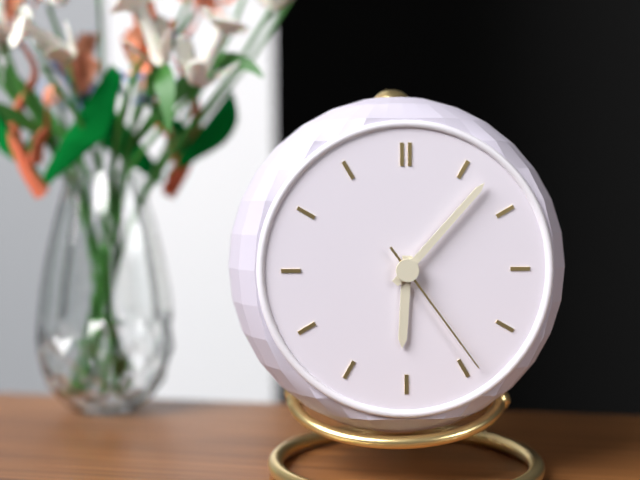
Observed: 6h07m24s
